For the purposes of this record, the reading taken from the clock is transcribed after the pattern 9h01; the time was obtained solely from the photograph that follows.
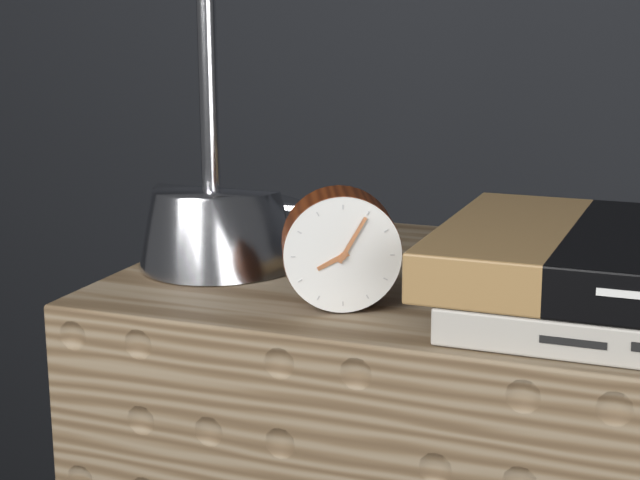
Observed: 8h05
